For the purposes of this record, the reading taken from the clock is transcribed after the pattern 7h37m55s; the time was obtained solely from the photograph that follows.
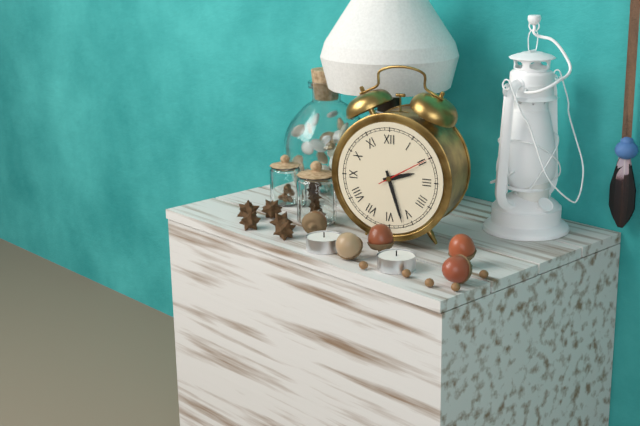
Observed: 2h27m10s
